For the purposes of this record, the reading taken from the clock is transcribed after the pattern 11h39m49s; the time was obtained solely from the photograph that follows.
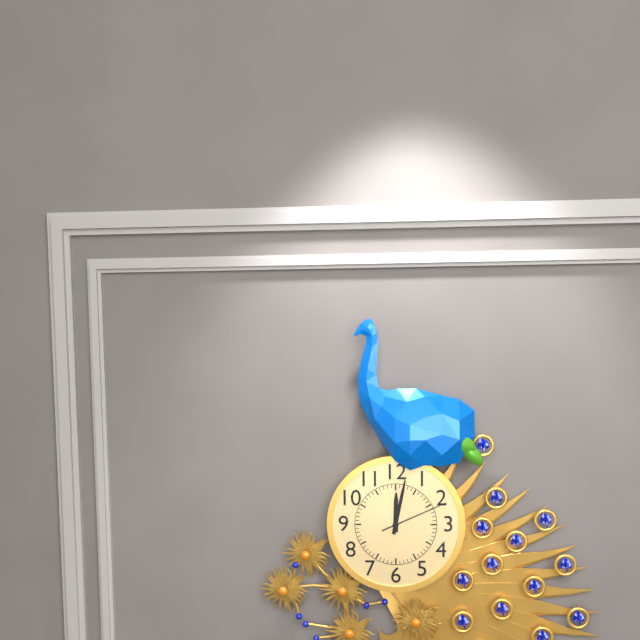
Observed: 12h02m11s
